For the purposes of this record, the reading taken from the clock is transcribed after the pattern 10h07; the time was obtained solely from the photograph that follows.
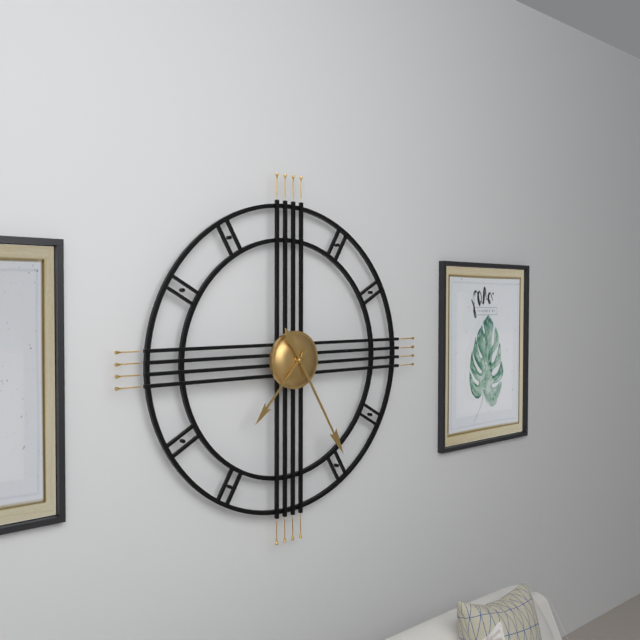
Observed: 7h25
